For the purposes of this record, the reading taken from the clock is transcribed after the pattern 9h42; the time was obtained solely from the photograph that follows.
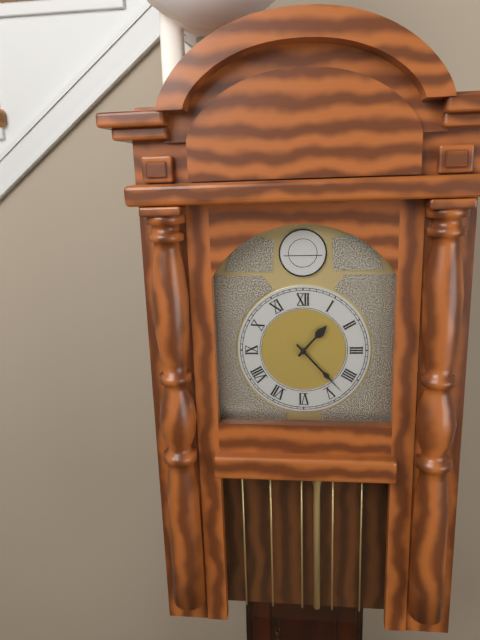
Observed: 1h23
